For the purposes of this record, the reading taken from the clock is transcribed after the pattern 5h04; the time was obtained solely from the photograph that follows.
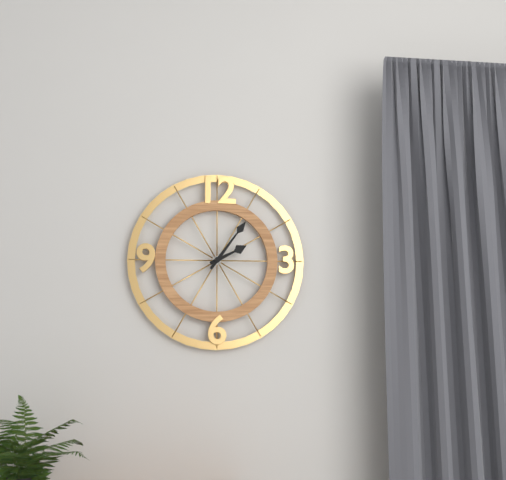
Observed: 2h06
